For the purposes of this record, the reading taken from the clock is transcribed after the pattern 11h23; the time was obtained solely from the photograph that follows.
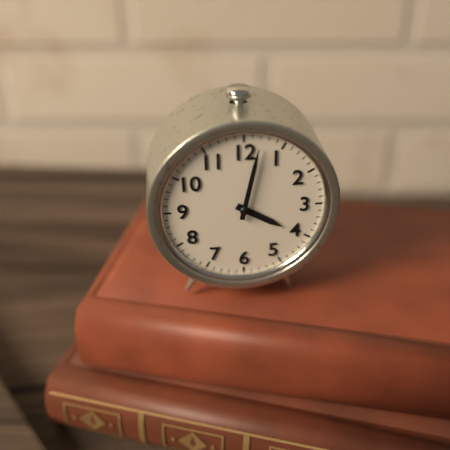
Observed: 4h02
